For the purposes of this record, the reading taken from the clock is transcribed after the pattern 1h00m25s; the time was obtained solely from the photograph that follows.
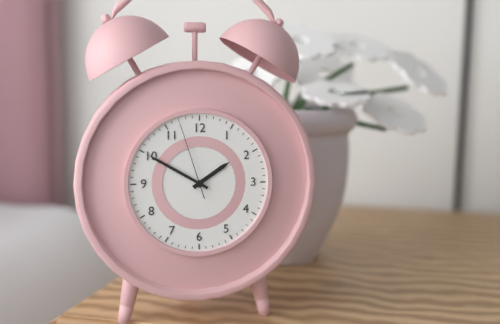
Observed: 1h50m57s
